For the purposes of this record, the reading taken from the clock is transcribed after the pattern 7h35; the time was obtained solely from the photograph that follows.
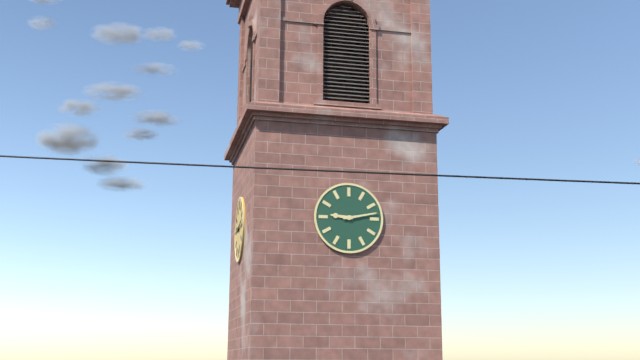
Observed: 9h13
